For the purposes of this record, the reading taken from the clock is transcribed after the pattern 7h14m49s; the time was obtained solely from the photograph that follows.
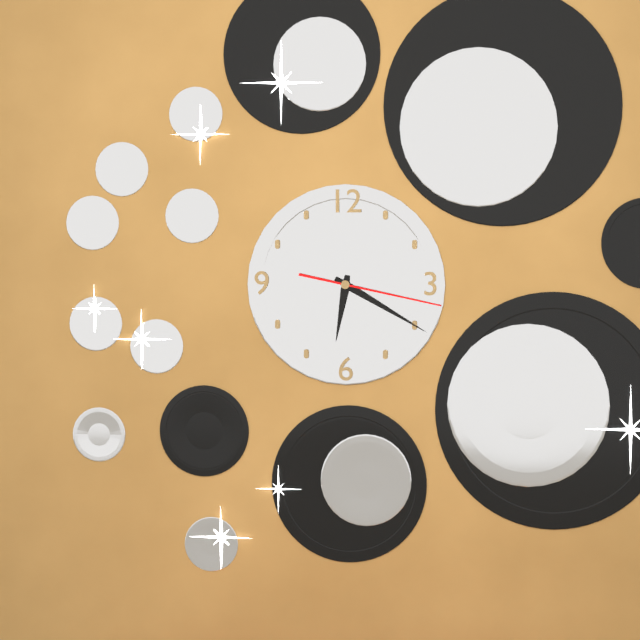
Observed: 6h20m17s
